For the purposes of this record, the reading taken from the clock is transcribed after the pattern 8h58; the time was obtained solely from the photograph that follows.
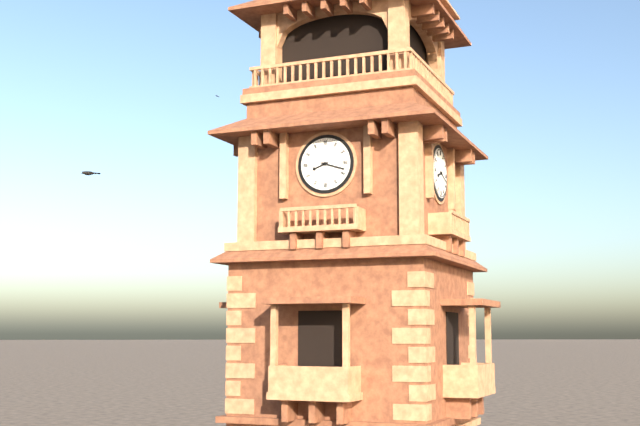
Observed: 8h18
